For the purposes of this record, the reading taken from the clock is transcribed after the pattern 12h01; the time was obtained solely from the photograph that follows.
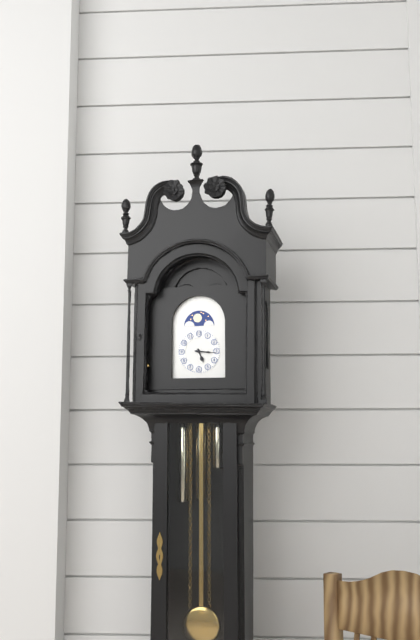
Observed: 5h16
